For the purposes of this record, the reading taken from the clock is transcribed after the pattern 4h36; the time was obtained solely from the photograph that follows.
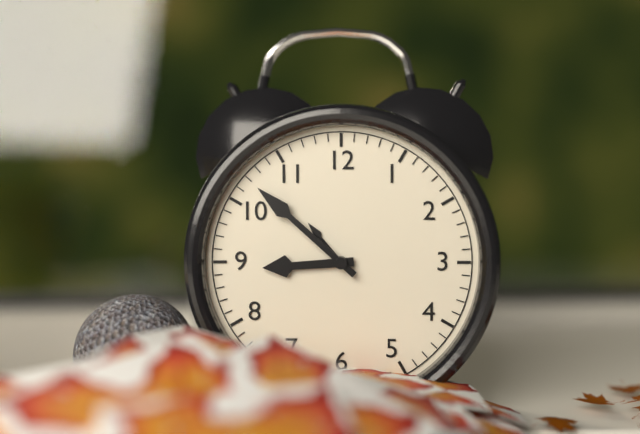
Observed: 8h52
